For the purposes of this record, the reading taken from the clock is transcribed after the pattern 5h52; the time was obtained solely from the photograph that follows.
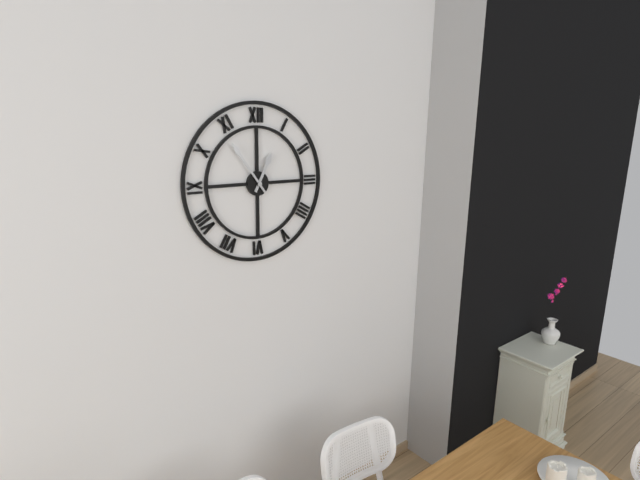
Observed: 12h54
